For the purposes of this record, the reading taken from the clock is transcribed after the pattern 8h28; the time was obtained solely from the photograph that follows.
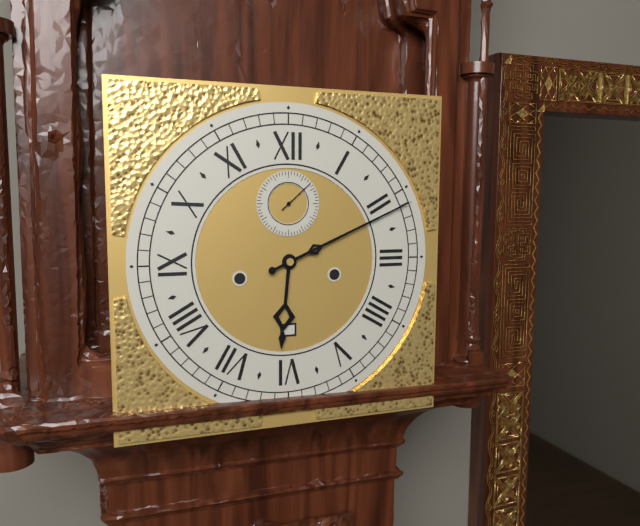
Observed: 6h11
